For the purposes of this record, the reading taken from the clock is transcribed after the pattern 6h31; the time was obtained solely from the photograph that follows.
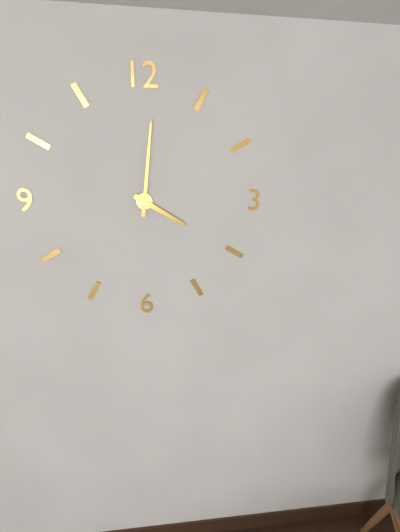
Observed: 4h01
